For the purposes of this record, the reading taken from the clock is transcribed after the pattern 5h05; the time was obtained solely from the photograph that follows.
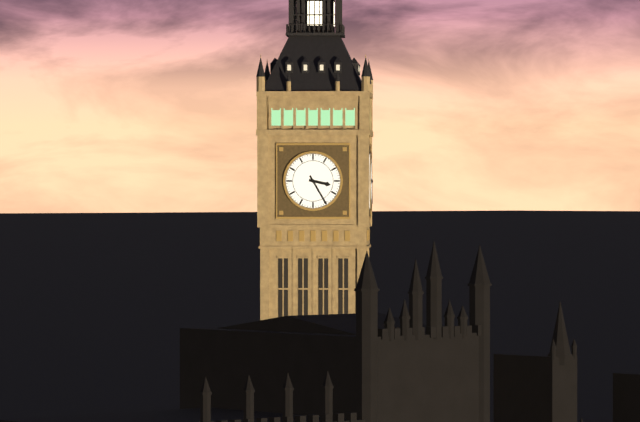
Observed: 3h25
